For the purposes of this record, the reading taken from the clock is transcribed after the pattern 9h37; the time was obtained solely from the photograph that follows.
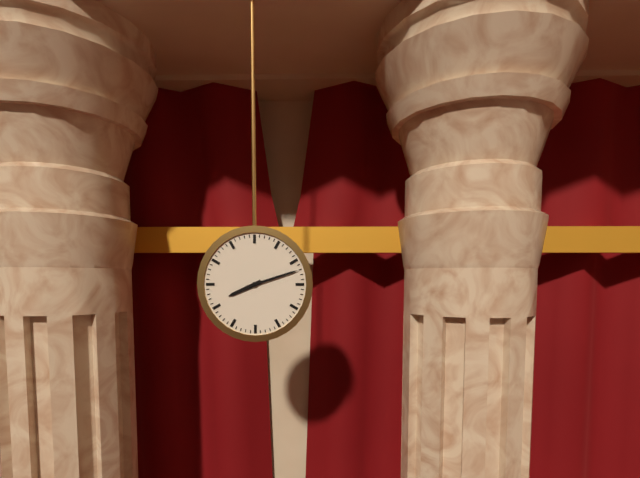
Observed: 8h12
